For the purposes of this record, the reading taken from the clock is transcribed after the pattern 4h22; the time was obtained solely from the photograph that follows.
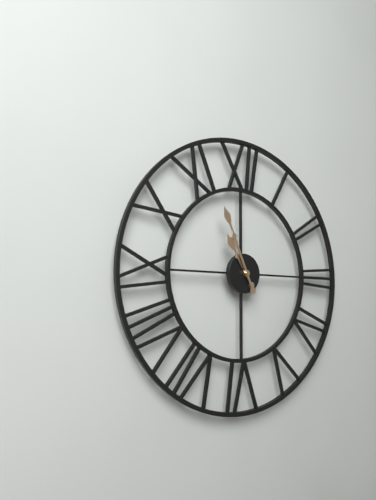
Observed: 10h56
